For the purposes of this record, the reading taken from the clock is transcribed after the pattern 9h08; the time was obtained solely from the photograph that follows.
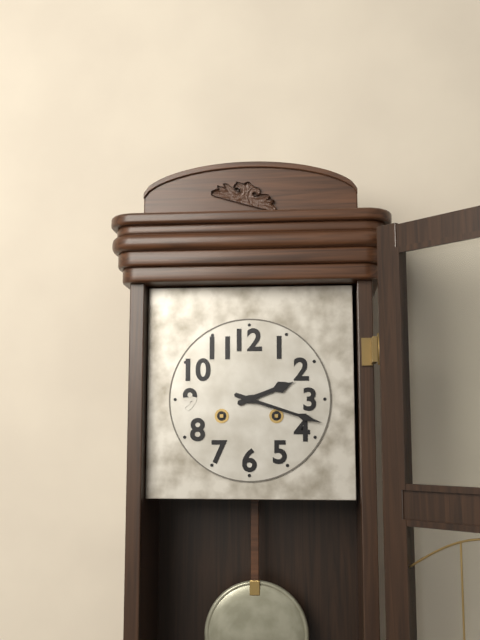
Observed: 2h18
